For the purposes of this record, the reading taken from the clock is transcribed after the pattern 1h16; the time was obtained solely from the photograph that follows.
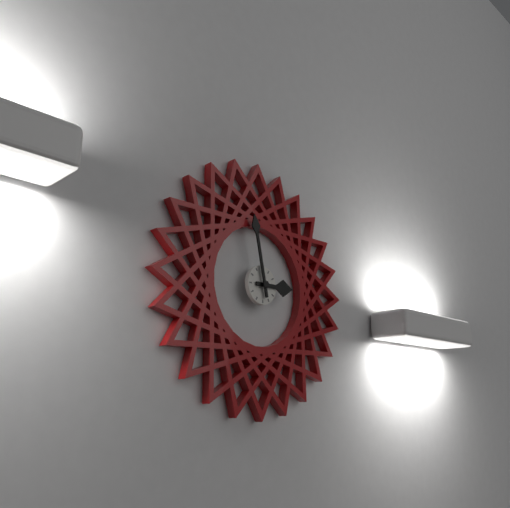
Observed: 2h58
